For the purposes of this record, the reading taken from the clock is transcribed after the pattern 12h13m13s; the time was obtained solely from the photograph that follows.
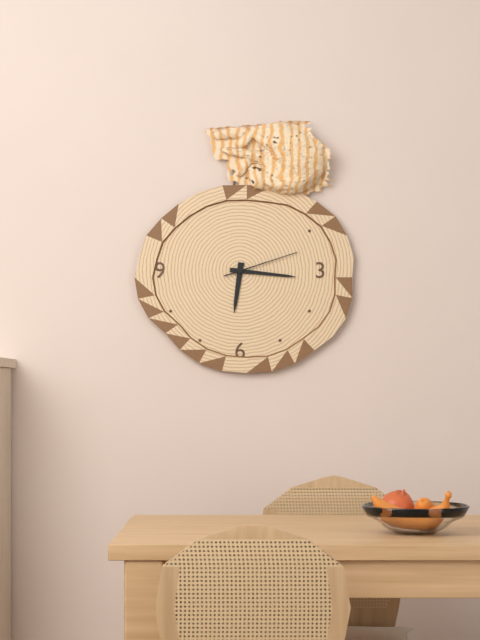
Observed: 6h16m12s
